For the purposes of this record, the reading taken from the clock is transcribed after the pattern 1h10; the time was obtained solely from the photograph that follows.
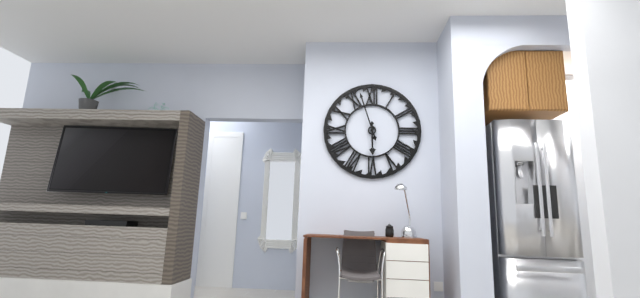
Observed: 5h57
